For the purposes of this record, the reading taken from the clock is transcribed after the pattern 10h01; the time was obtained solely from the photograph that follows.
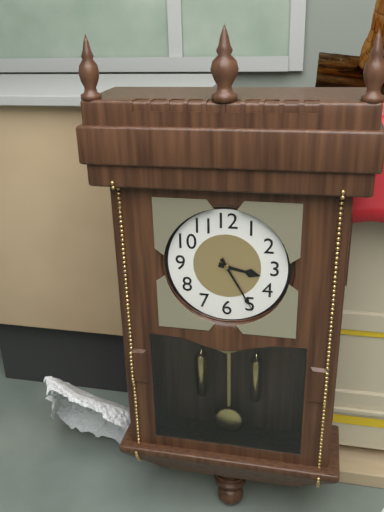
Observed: 3h25
